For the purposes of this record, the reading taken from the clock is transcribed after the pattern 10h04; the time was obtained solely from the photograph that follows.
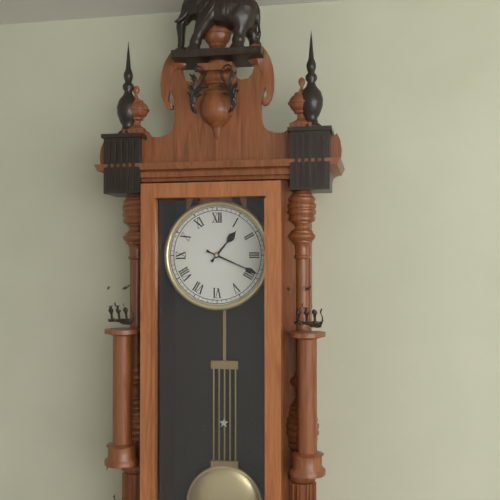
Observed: 1h19
